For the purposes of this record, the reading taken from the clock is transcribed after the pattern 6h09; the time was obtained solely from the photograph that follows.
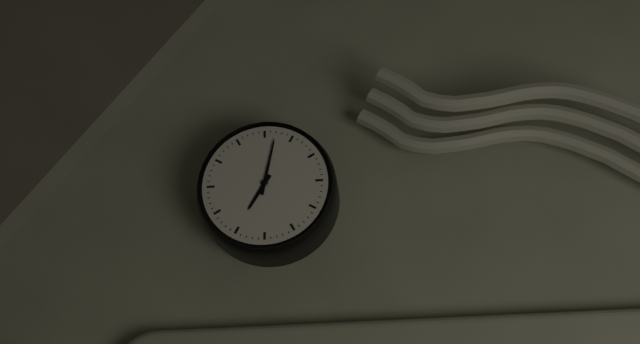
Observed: 7h02
